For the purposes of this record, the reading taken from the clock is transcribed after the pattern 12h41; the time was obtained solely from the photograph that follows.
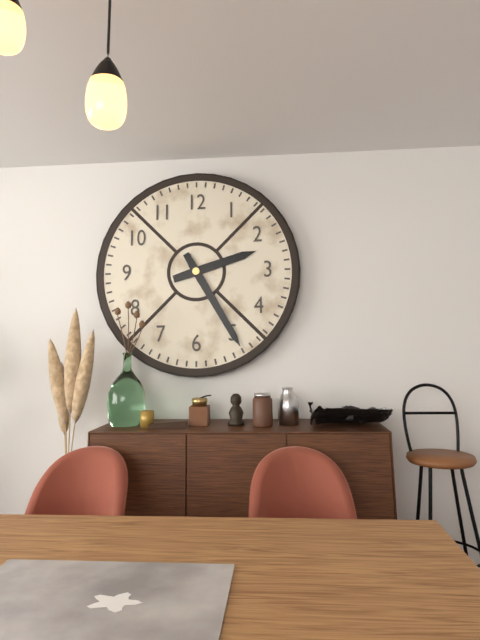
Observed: 2h25
